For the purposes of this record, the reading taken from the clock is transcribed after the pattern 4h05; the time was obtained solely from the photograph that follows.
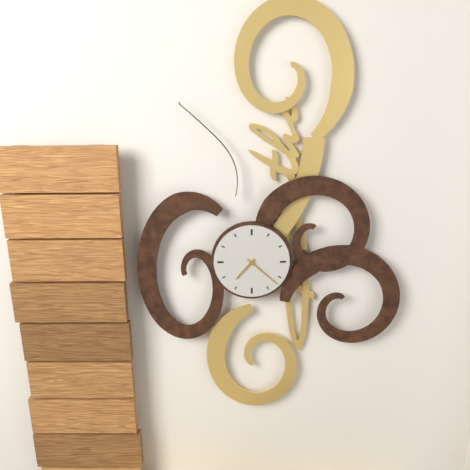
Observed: 7h22
